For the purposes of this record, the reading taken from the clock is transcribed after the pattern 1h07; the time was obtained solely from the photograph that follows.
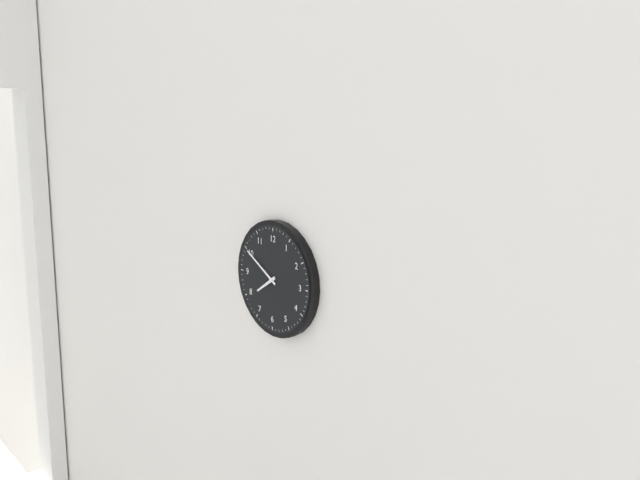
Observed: 7h50
